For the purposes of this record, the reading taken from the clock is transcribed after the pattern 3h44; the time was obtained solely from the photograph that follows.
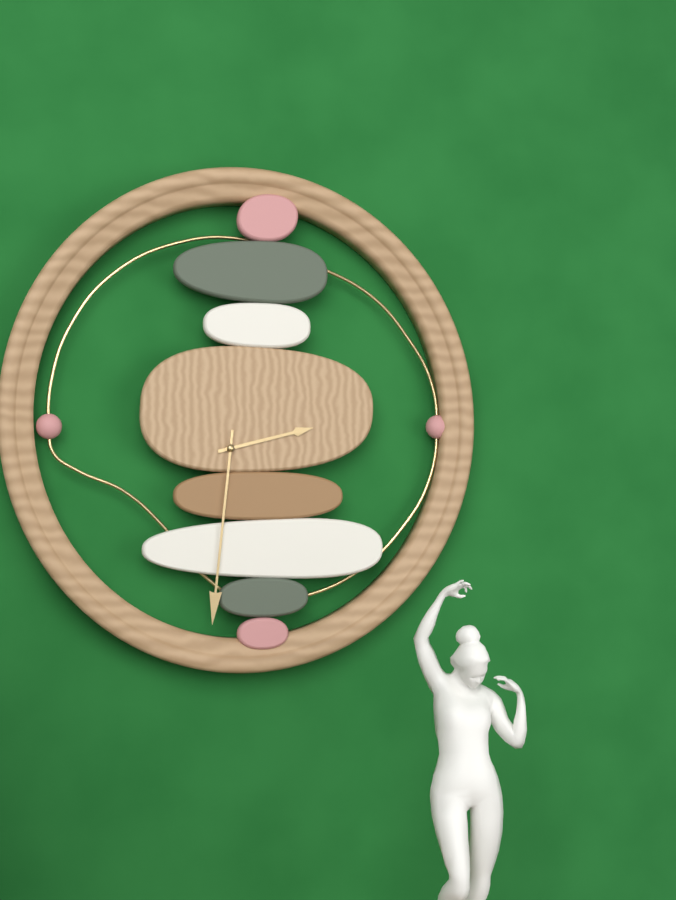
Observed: 2h31
